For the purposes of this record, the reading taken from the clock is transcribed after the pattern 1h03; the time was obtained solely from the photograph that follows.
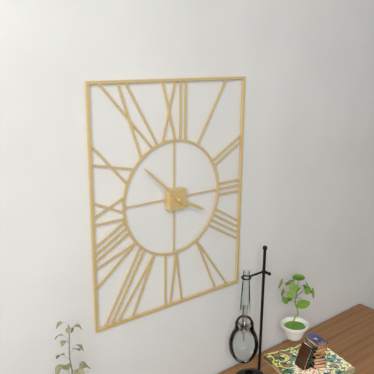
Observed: 3h52
